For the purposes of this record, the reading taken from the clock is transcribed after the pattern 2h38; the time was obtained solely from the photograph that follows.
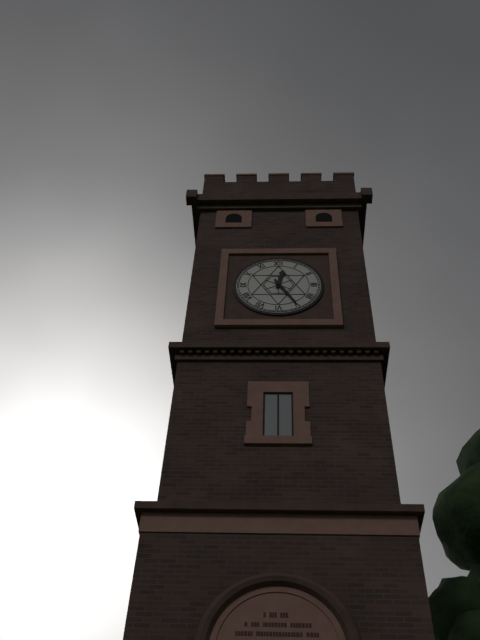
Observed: 12h25
